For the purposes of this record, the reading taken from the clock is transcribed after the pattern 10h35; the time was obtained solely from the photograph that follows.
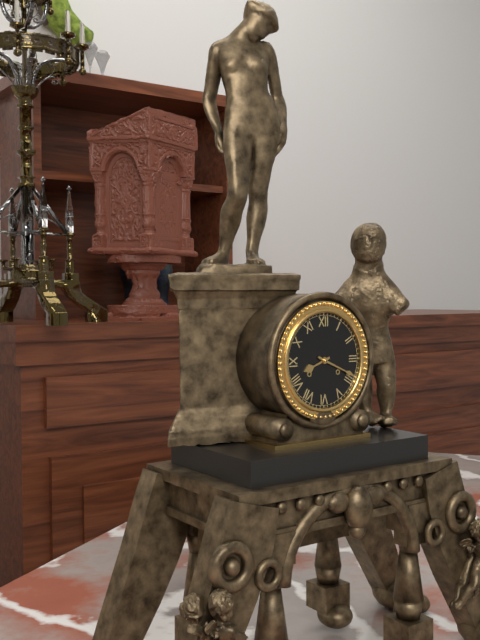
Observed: 8h19
